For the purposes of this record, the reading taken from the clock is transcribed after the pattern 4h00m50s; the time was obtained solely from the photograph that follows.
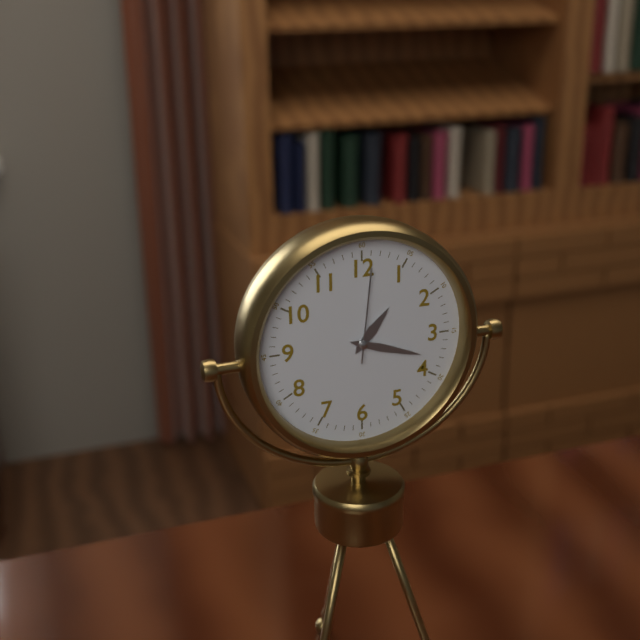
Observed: 1h18m01s
